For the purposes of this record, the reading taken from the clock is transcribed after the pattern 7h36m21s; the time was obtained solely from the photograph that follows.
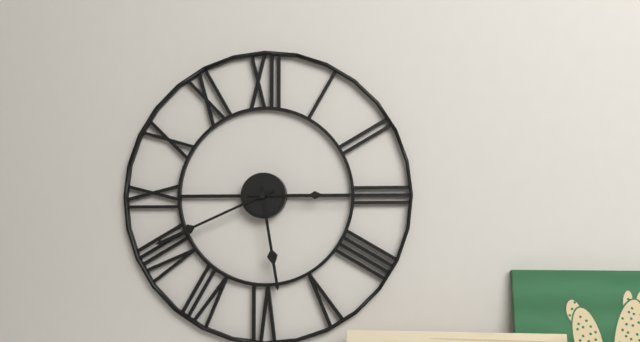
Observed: 5h41m15s
